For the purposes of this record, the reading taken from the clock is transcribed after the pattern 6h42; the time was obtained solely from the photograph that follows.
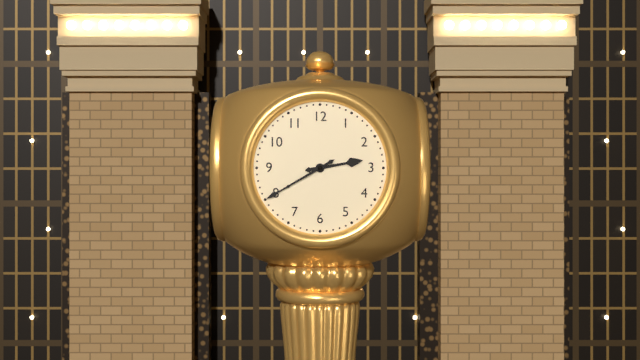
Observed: 2h40
